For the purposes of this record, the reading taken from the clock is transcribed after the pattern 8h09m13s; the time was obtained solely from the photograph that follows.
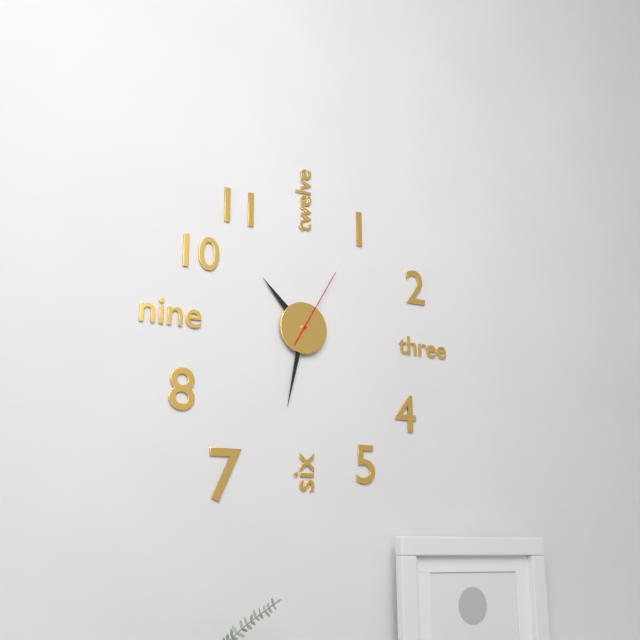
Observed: 10h32m05s
